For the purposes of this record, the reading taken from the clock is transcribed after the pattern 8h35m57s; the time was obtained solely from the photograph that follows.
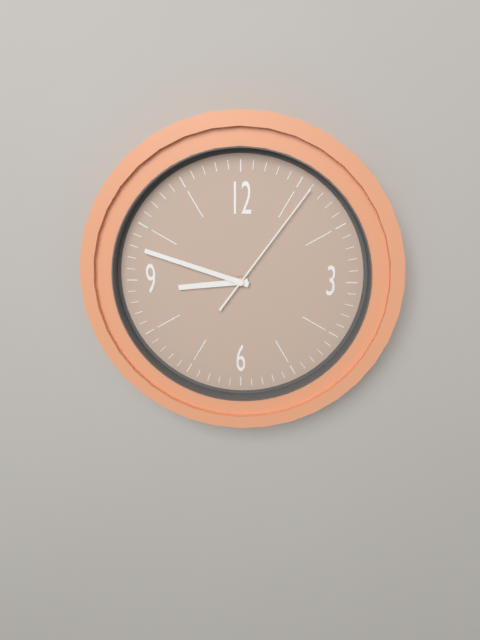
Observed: 8h48m06s
